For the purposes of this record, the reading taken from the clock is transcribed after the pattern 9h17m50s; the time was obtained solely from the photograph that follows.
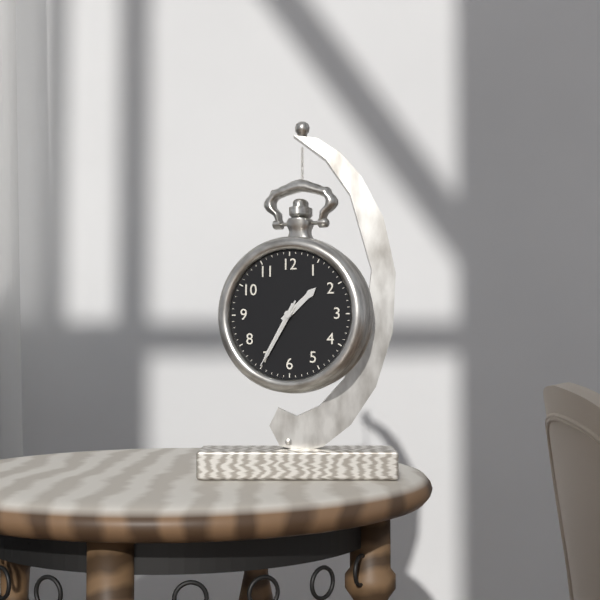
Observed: 1h35m35s
